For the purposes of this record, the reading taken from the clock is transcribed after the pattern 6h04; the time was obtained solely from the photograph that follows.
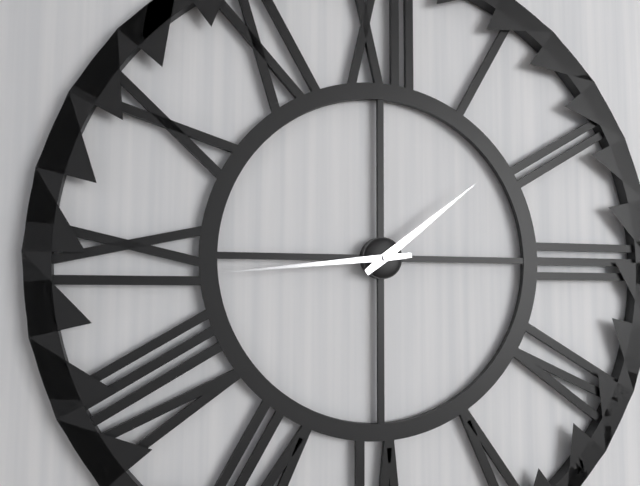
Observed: 1h44
